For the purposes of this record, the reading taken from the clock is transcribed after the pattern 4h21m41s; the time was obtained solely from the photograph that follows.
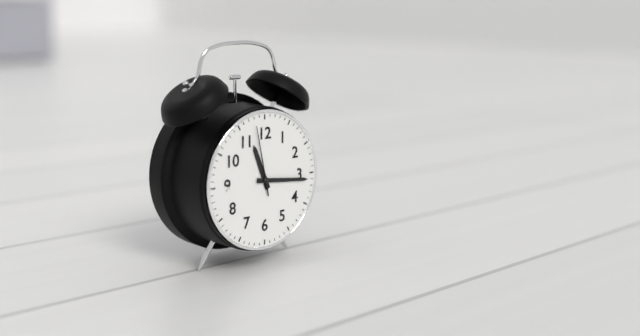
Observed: 11h16m58s
